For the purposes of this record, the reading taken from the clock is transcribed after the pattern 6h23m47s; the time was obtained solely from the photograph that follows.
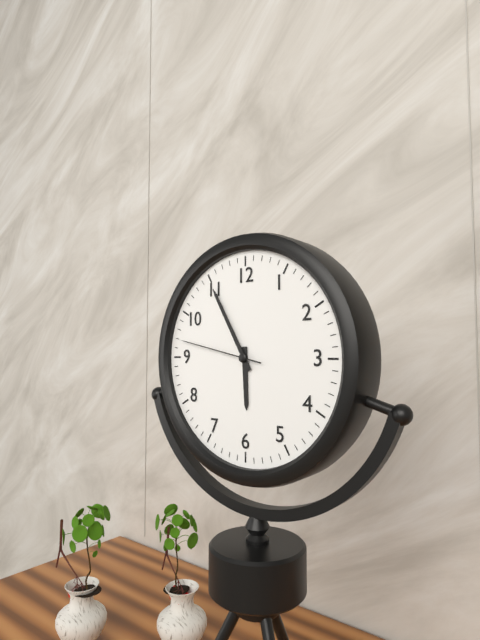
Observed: 5h55m47s
